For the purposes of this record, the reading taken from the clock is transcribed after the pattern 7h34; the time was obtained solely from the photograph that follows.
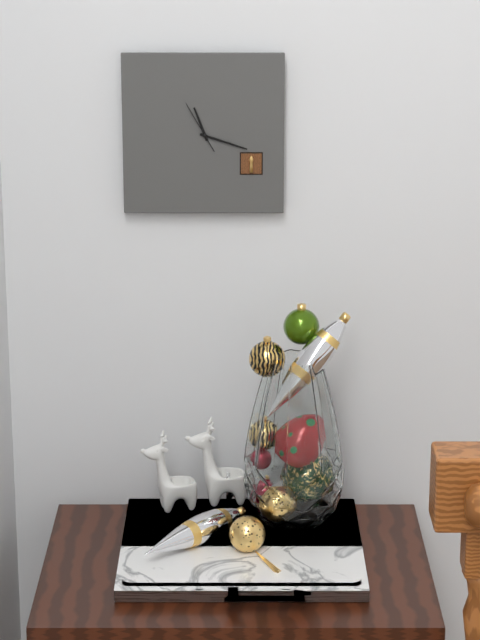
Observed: 11h18
